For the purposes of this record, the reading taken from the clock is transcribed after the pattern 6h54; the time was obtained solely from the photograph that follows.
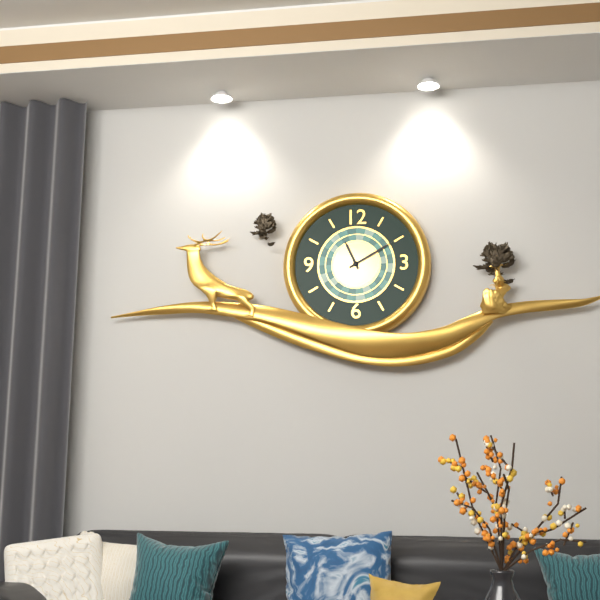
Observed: 11h10
